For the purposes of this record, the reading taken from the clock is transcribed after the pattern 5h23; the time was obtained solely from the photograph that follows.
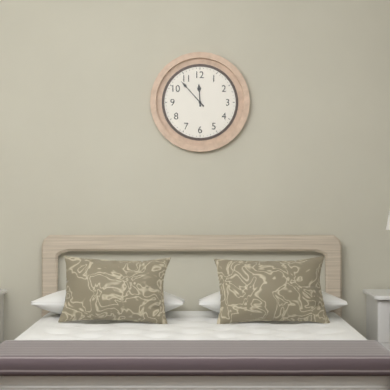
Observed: 11h53
